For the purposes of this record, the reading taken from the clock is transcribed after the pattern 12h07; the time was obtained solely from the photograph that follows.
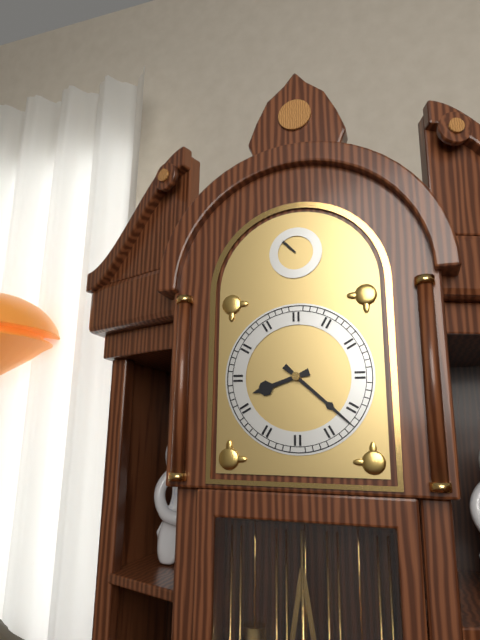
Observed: 8h22
